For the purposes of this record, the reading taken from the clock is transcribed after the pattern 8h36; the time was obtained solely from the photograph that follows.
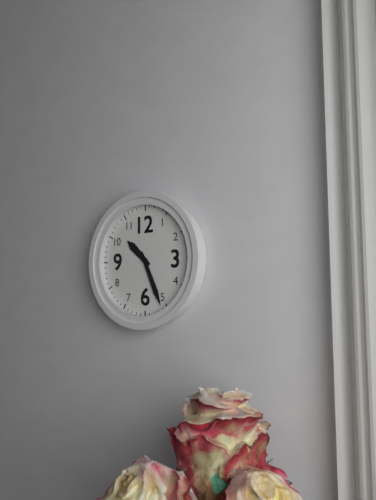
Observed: 10h26
